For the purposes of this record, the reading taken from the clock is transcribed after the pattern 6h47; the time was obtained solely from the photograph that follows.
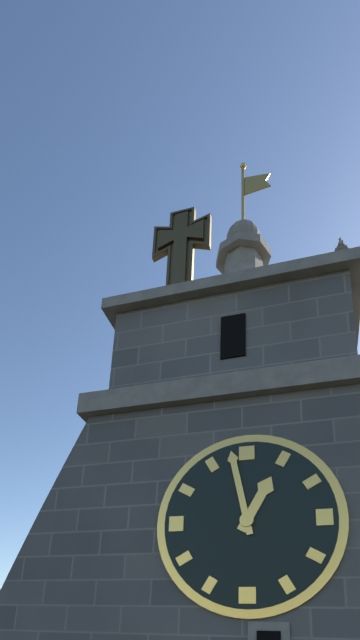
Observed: 12h58
